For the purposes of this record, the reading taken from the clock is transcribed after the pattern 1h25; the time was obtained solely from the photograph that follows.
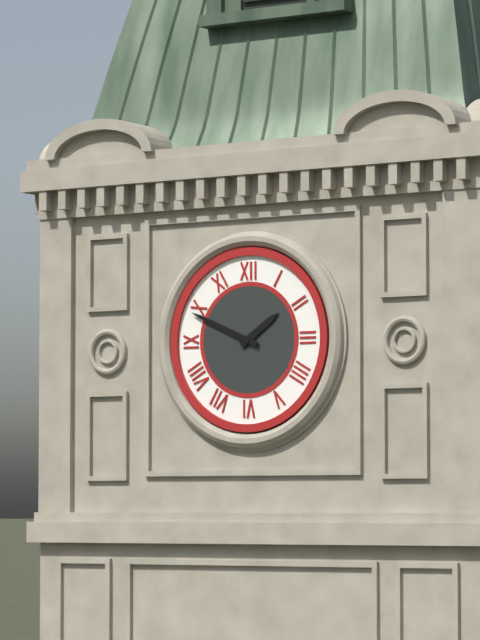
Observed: 1h49
